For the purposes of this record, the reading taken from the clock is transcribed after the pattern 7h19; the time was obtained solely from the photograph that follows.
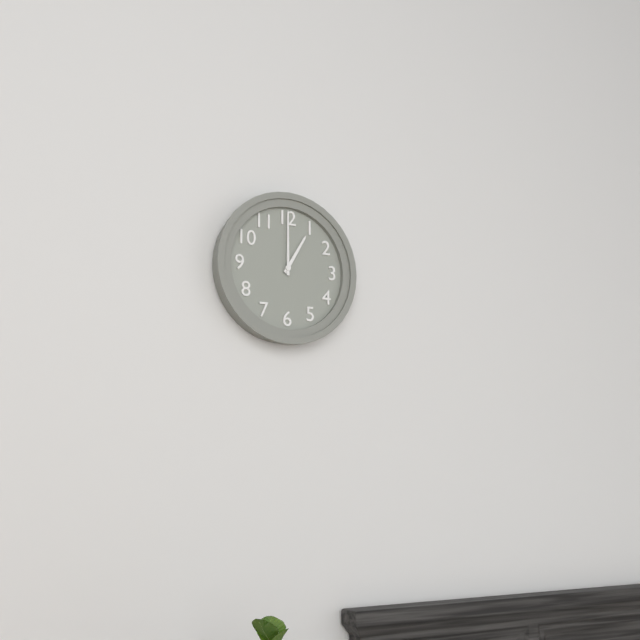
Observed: 1h00
